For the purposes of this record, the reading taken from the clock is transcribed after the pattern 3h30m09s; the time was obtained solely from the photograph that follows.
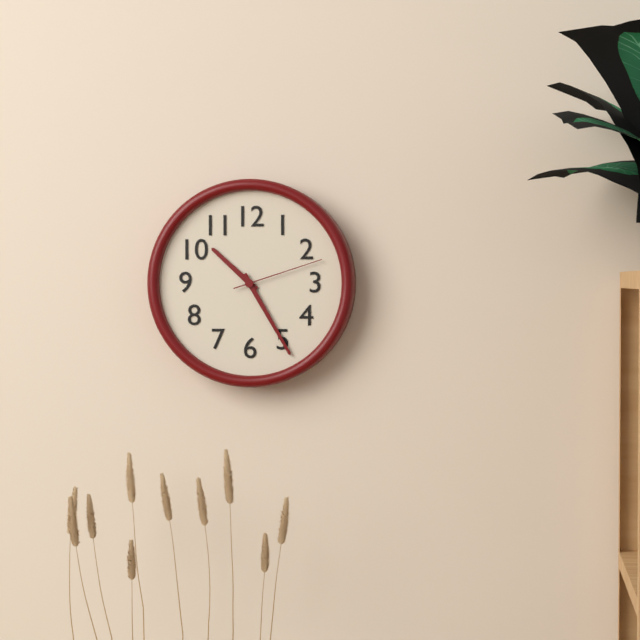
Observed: 10h25m12s
